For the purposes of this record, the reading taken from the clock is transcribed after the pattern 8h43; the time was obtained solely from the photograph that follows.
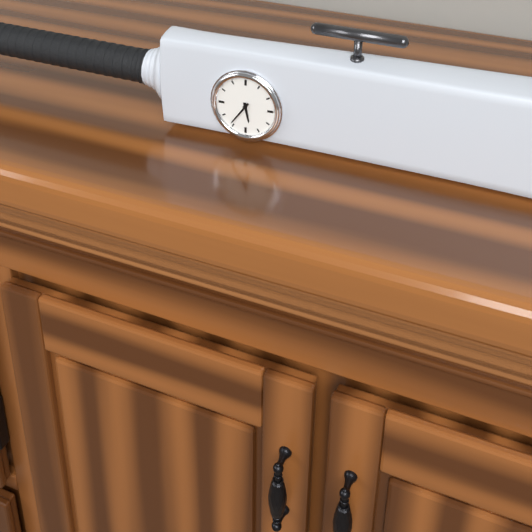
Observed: 5h36
